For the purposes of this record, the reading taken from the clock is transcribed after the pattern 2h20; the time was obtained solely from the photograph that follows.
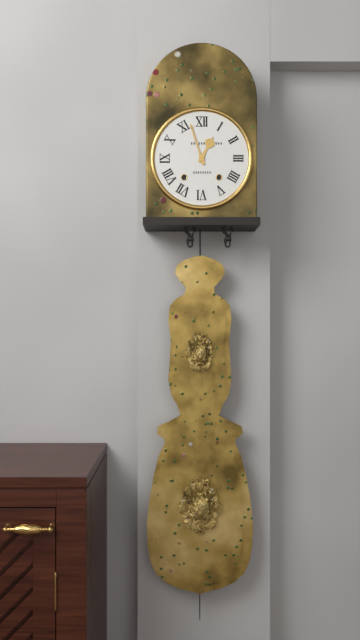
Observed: 12h57
